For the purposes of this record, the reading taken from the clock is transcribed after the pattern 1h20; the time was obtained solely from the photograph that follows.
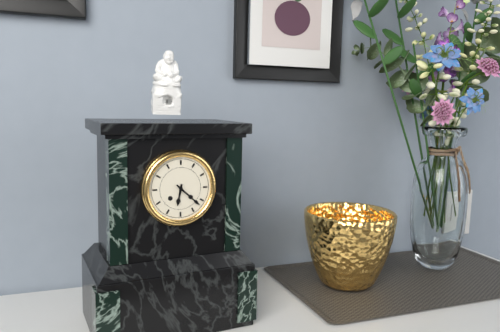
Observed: 6h22
